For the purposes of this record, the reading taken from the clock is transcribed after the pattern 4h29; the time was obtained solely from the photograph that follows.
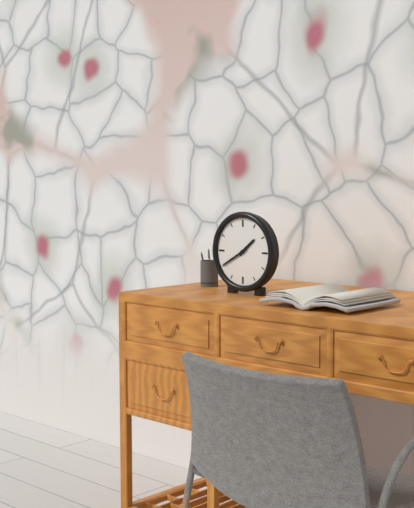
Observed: 1h40
